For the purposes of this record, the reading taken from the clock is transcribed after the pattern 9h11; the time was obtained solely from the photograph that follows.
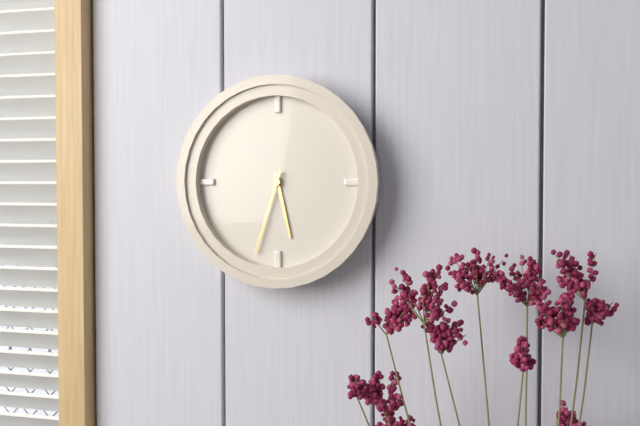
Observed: 5h33
